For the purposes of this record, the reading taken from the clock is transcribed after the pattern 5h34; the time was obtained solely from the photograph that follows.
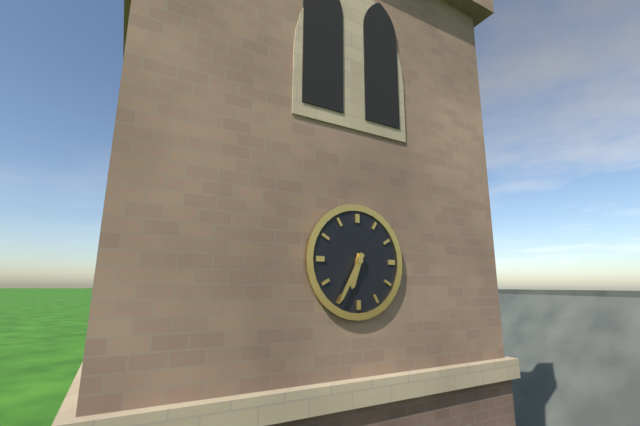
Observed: 6h35
